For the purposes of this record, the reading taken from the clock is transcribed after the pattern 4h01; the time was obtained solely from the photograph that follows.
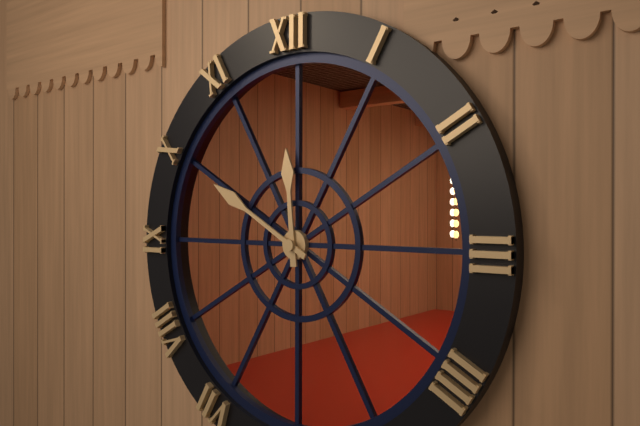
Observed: 11h50
